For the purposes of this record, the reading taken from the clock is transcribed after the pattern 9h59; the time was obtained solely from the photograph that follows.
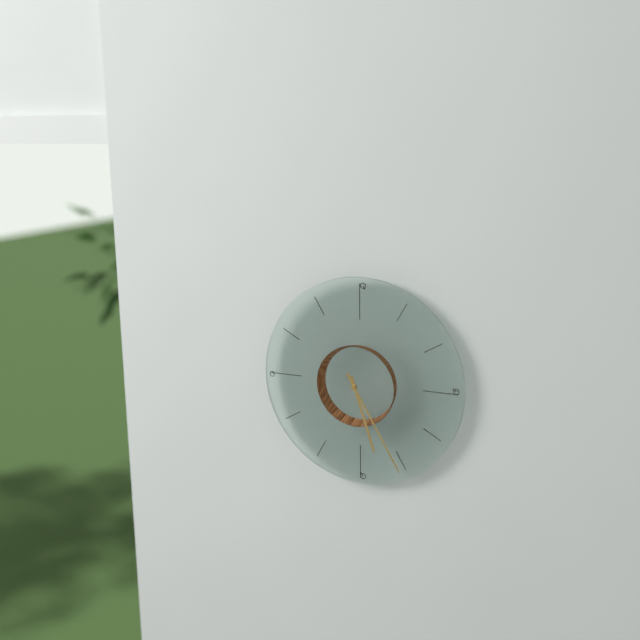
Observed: 5h25
